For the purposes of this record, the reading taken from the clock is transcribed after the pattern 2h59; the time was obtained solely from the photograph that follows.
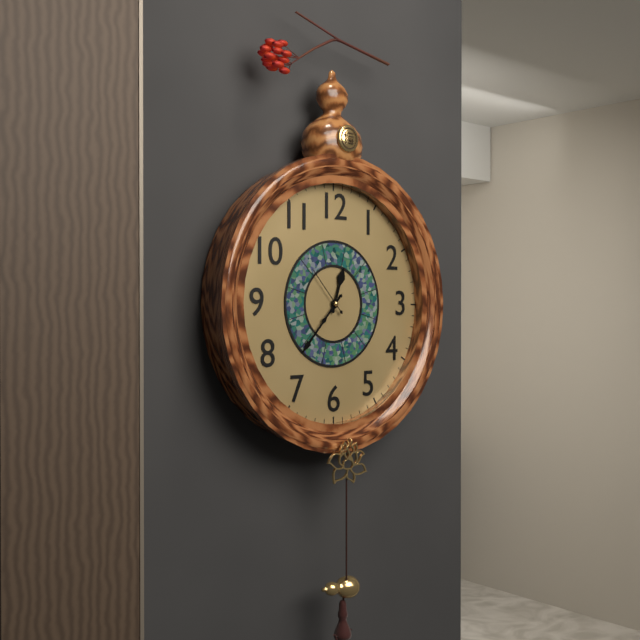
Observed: 12h37
